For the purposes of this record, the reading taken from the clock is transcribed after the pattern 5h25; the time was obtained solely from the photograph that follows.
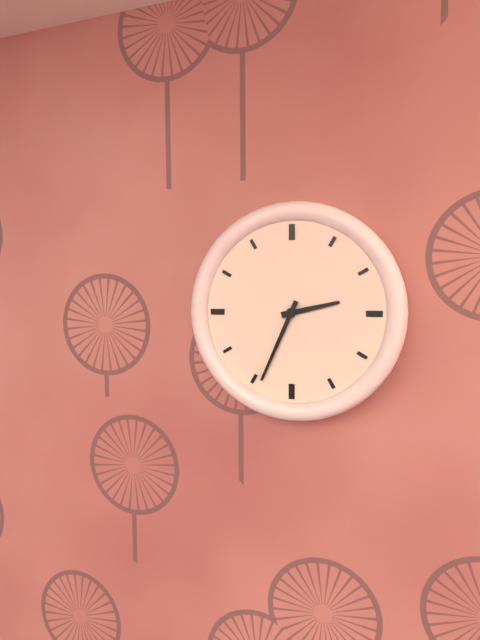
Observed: 2h34
